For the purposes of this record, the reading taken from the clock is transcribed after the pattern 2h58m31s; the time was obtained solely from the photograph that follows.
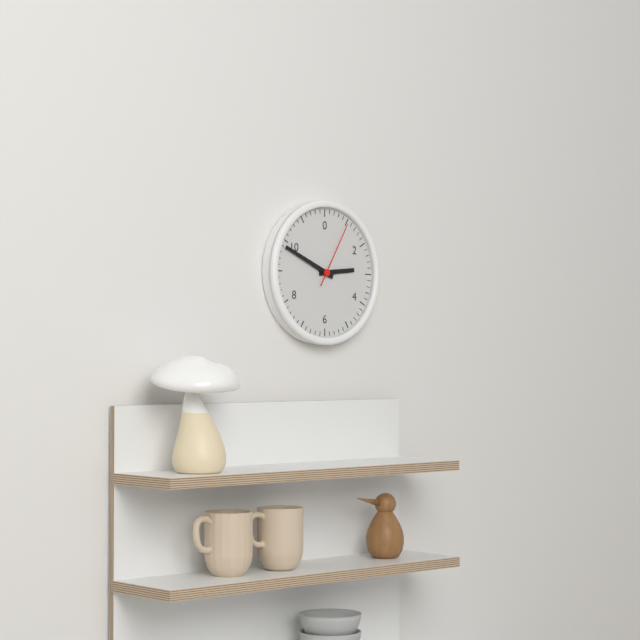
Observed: 2h49m05s
